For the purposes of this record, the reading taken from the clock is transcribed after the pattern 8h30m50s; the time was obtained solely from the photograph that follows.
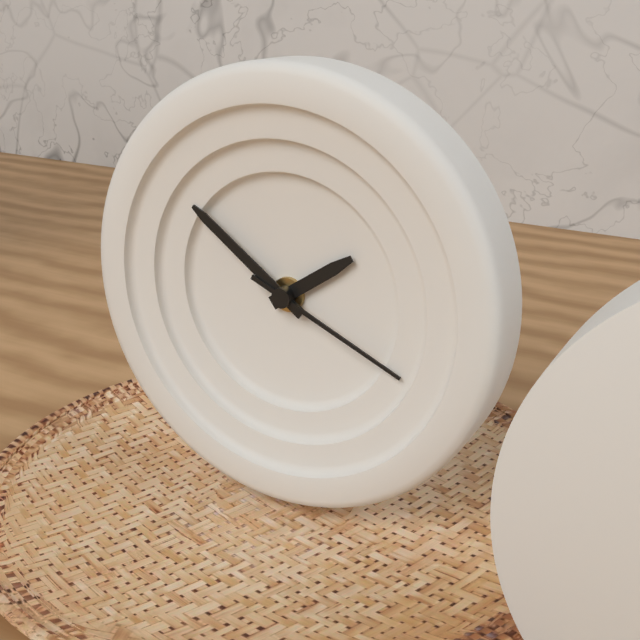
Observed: 1h51m19s
